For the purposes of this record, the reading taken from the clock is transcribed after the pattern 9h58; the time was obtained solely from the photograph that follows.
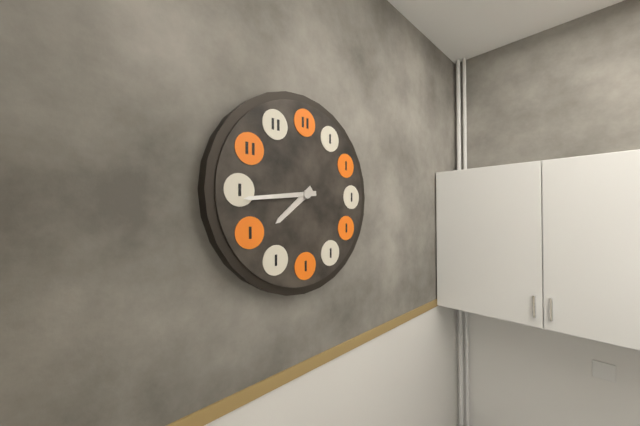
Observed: 7h44
